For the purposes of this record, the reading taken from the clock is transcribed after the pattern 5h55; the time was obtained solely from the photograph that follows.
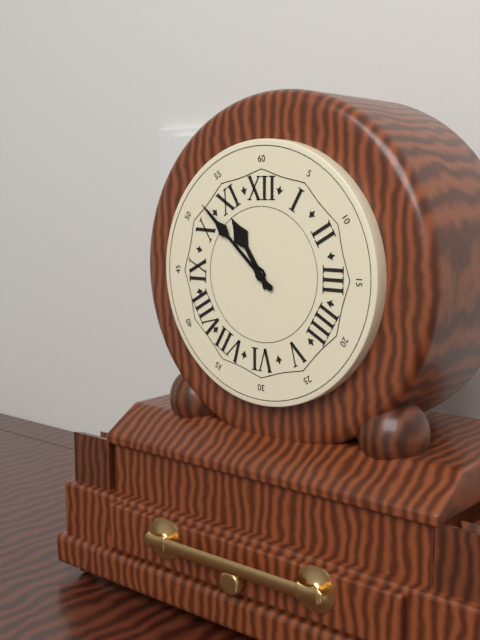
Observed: 10h52
